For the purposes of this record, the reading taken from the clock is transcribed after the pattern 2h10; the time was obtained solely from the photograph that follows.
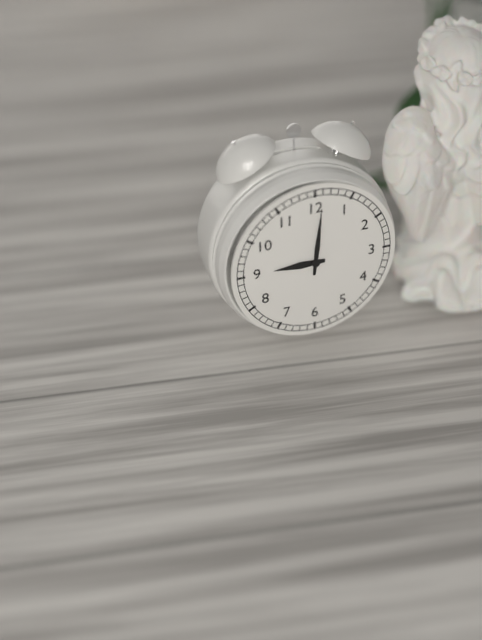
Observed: 9h01
